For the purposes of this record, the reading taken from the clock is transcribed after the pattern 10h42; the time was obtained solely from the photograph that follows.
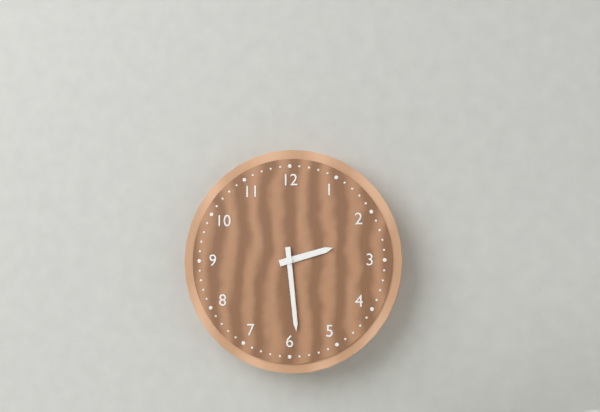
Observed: 2h29
